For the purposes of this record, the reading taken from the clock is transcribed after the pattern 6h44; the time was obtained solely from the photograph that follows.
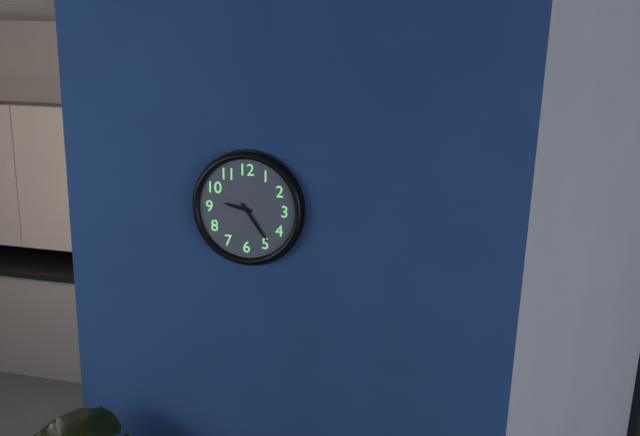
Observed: 9h24
